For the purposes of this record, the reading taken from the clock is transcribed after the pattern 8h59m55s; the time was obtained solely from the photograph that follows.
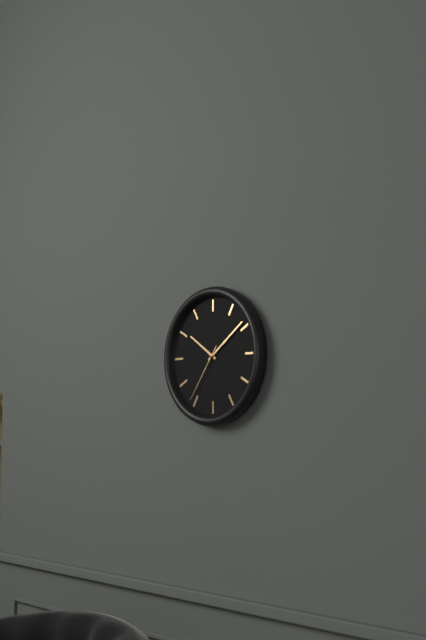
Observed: 10h09m36s
